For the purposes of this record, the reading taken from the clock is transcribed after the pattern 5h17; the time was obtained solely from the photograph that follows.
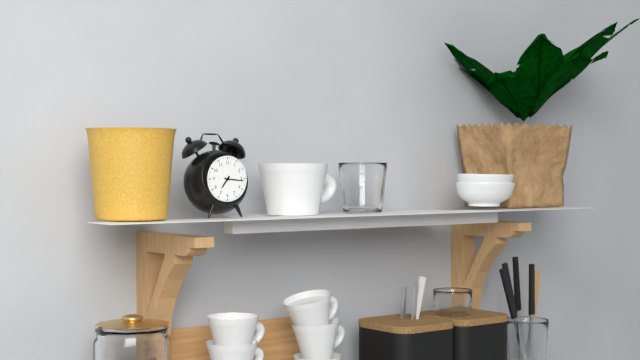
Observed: 7h16
